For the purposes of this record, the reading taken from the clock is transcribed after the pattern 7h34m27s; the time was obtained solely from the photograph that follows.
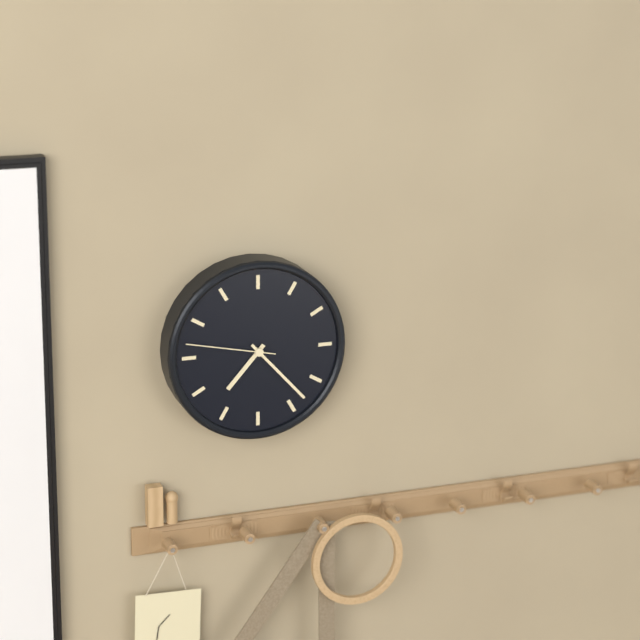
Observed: 7h23m47s
